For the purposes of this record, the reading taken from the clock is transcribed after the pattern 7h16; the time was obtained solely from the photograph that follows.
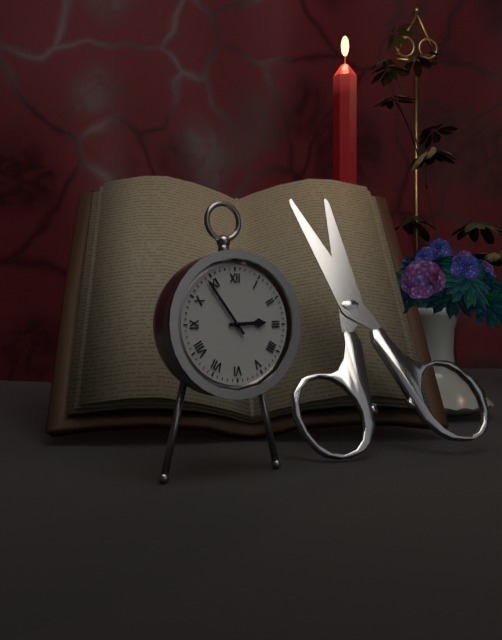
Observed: 2h54
